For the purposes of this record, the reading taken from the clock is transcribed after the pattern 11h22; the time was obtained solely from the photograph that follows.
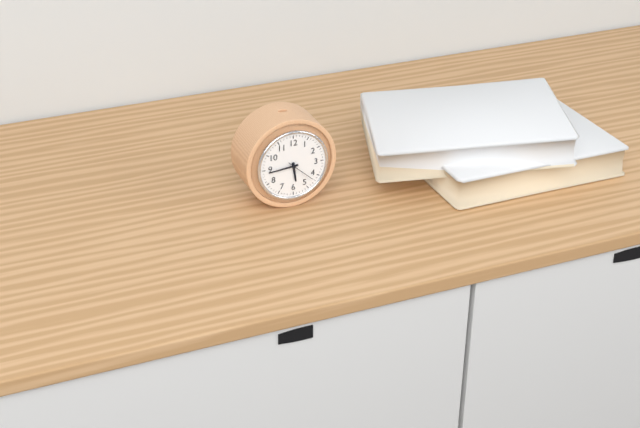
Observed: 5h44
